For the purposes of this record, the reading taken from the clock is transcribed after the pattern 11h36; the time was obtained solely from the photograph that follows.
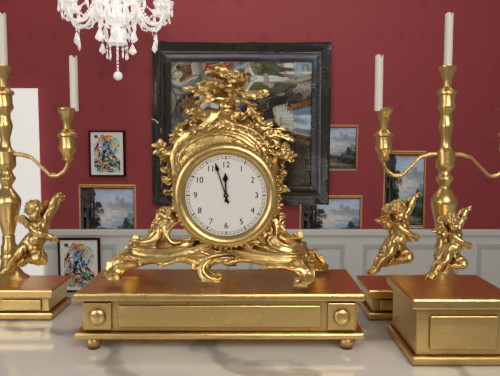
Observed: 11h57
